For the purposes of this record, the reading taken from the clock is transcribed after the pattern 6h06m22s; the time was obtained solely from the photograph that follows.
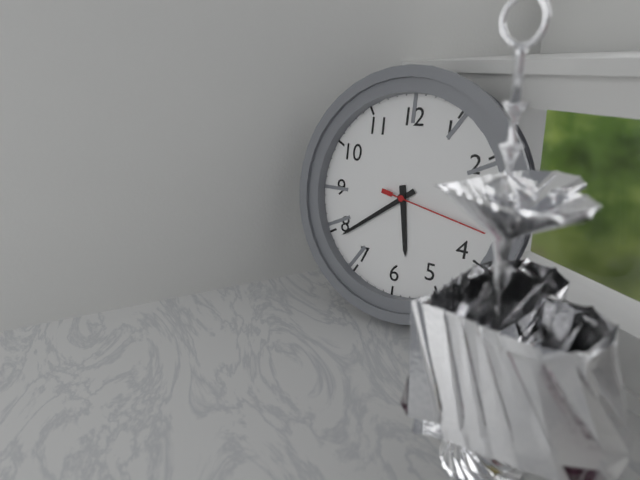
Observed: 5h39m17s
